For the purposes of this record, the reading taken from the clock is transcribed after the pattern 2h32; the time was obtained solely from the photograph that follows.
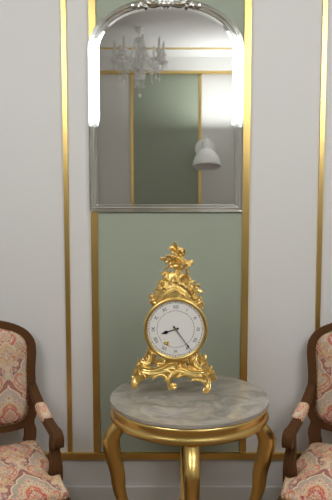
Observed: 8h24
